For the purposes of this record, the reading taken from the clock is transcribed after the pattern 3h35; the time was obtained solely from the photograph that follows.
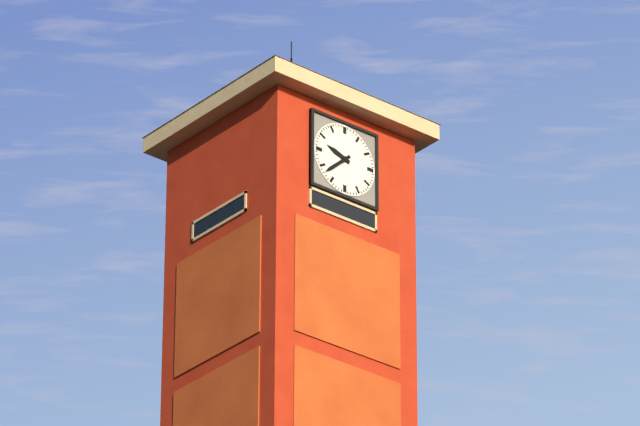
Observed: 9h38
